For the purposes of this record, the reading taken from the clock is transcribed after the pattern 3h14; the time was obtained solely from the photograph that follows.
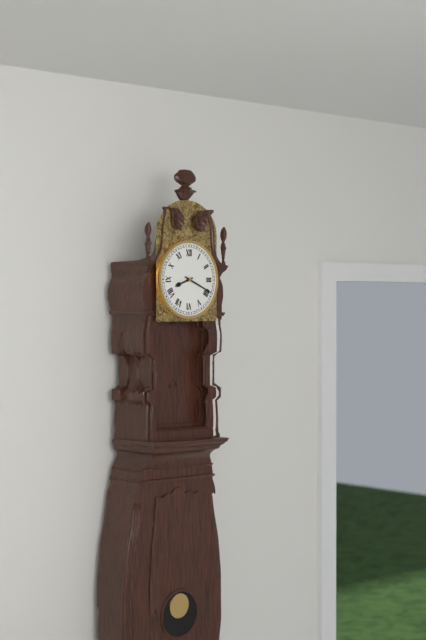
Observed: 8h19
